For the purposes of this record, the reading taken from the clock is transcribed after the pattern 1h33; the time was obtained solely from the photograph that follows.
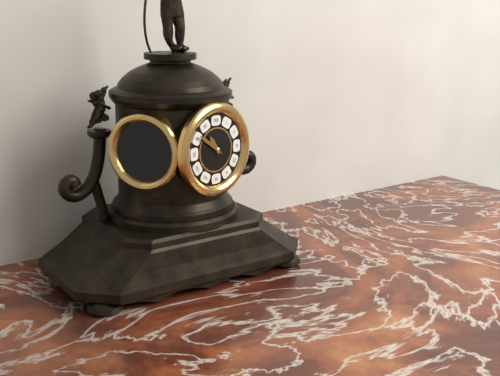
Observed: 10h51
